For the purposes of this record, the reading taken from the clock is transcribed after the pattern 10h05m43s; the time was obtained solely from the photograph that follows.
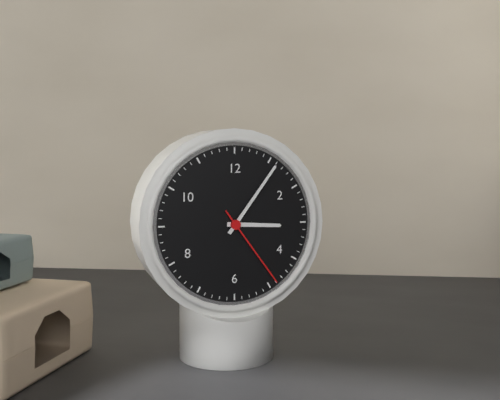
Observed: 3h06m24s
